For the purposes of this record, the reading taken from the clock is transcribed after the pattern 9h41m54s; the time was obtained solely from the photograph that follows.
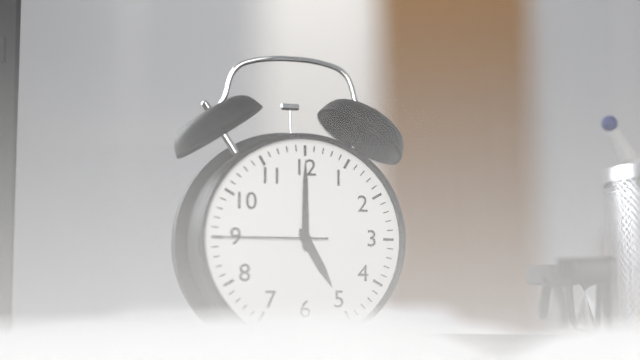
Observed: 5h00m45s
